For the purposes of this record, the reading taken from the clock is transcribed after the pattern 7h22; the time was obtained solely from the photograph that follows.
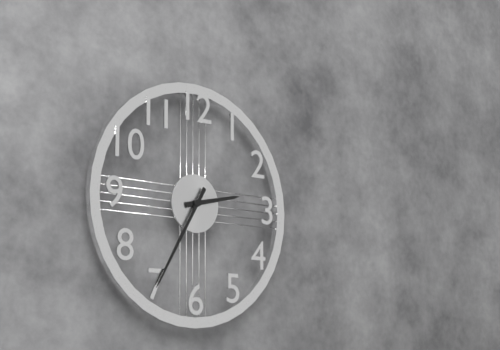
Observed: 2h35
